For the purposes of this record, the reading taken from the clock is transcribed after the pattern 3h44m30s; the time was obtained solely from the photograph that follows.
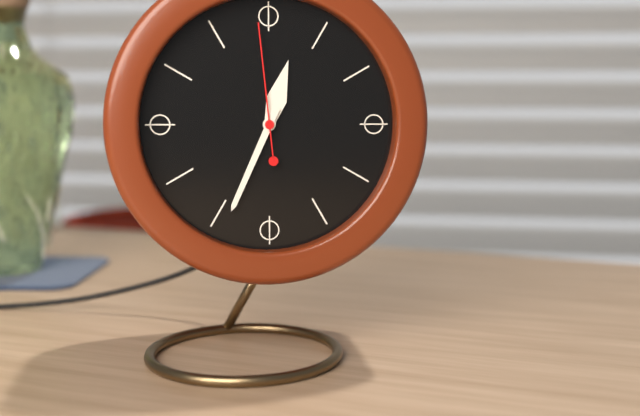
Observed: 12h34m59s
